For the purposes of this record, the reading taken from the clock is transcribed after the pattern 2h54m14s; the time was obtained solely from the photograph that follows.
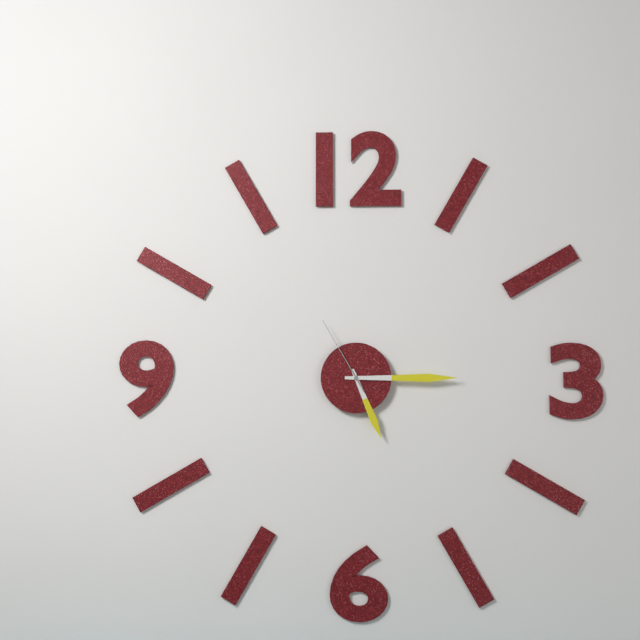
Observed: 5h15m55s
